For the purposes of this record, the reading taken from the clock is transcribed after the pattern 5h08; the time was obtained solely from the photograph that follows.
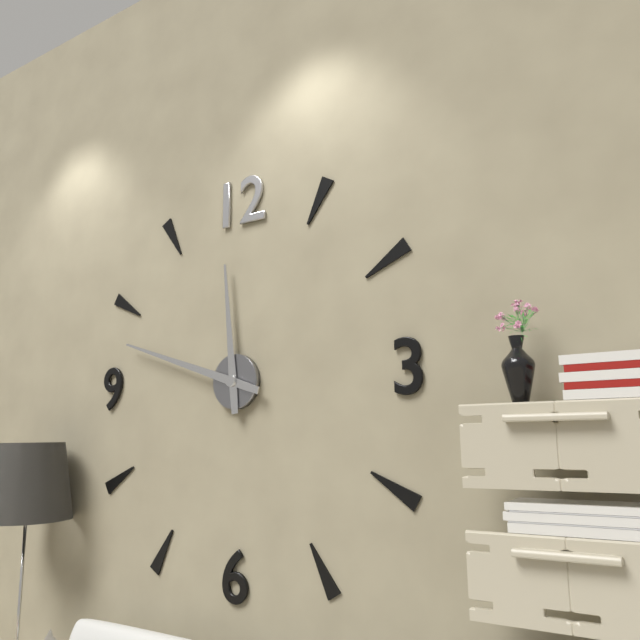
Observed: 11h48
